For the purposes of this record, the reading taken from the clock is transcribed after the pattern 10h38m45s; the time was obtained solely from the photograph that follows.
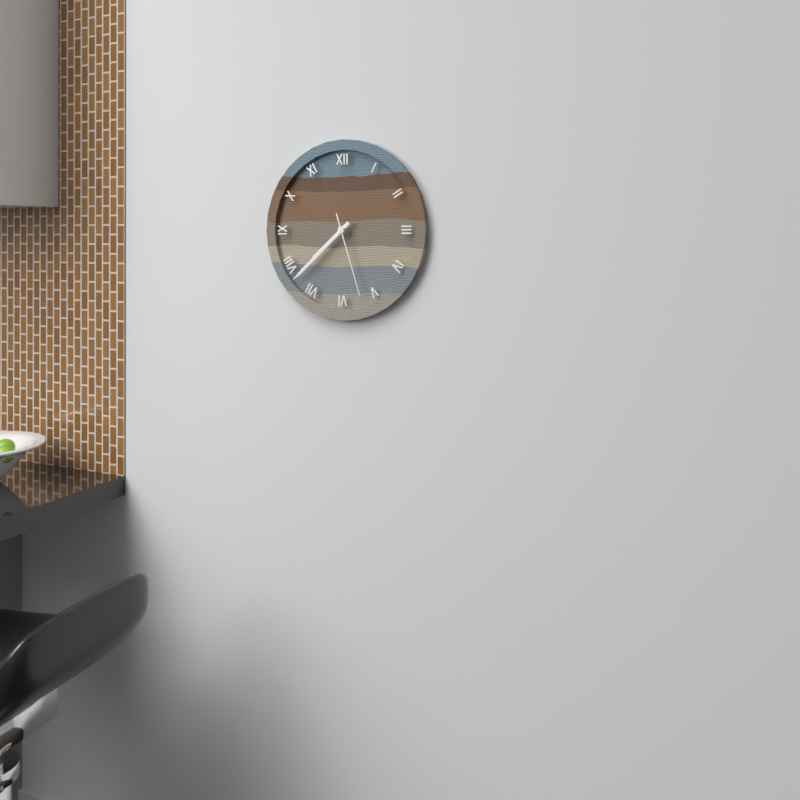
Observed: 7h38m27s
